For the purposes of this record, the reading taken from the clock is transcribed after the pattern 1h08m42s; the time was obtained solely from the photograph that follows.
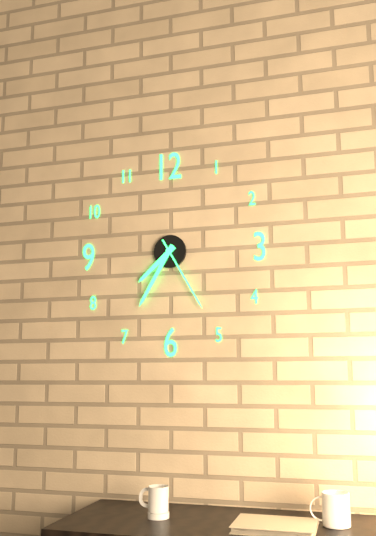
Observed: 7h35m25s
